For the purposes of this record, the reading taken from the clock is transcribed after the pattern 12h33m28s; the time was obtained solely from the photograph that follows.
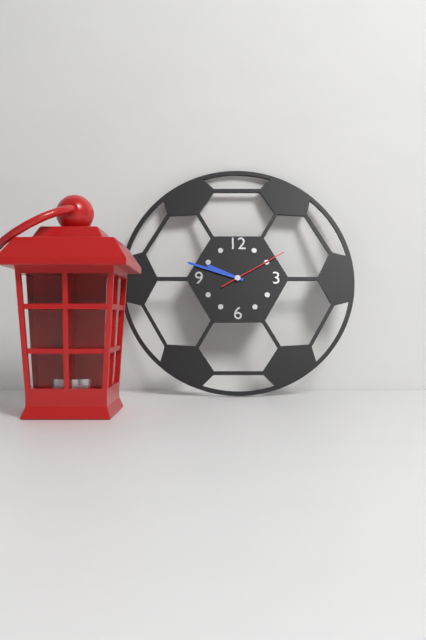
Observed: 9h48m10s
